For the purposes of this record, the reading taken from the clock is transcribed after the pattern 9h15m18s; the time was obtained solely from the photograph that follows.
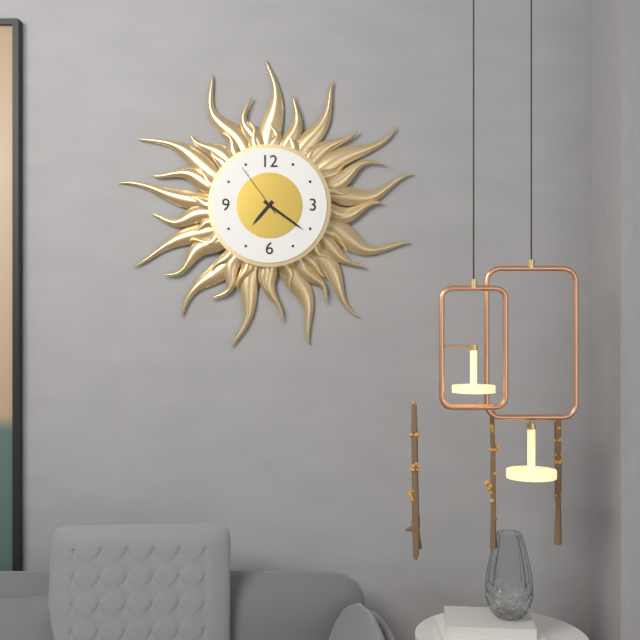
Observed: 7h21m54s
